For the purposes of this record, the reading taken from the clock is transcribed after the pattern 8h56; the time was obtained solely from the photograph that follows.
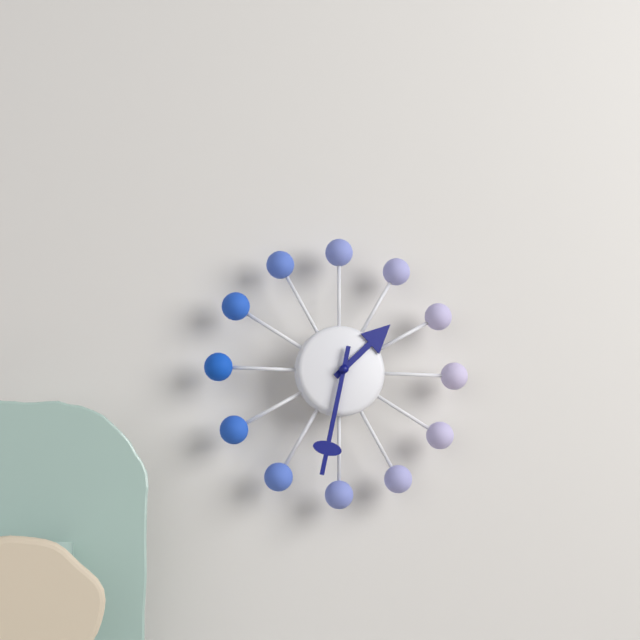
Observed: 1h32
